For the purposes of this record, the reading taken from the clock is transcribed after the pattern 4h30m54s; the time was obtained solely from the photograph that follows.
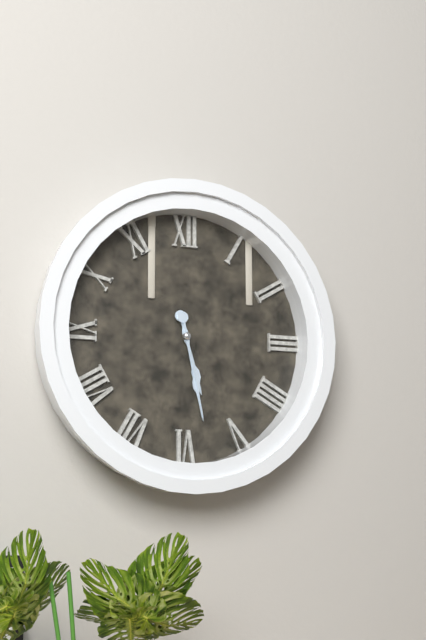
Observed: 5h28m28s
